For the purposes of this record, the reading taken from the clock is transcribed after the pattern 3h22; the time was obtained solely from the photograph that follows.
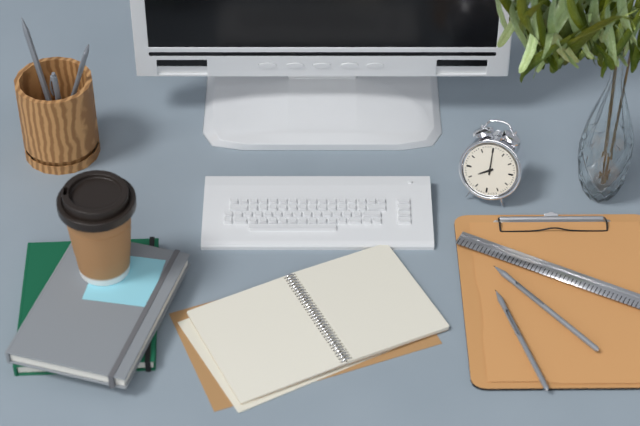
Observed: 8h00
